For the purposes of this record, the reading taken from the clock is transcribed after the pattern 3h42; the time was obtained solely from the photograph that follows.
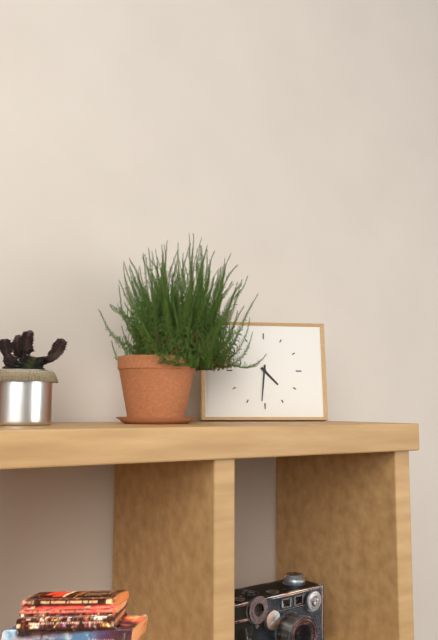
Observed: 4h31
